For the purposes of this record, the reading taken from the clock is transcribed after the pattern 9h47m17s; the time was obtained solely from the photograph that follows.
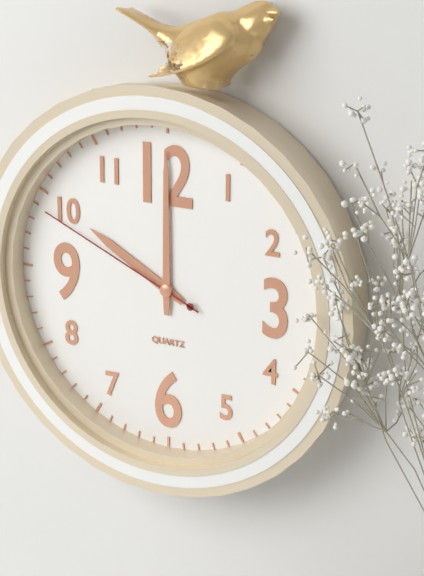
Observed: 10h00m49s
